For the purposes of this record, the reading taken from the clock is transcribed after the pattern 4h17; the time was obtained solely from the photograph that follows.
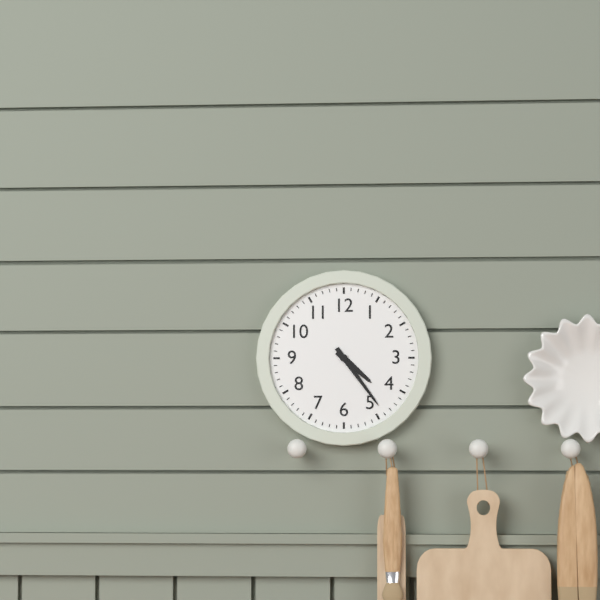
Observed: 4h24
